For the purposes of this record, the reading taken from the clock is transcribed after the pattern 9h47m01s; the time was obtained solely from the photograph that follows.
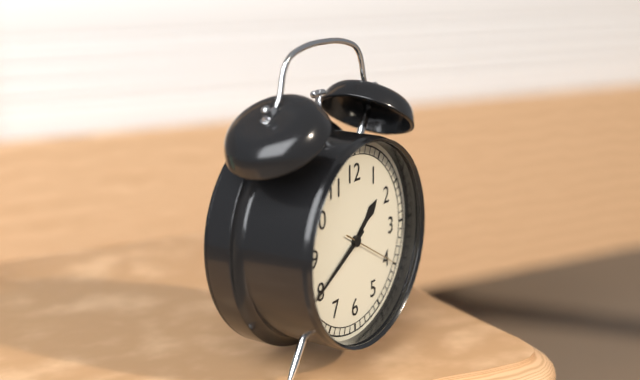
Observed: 1h40m20s
